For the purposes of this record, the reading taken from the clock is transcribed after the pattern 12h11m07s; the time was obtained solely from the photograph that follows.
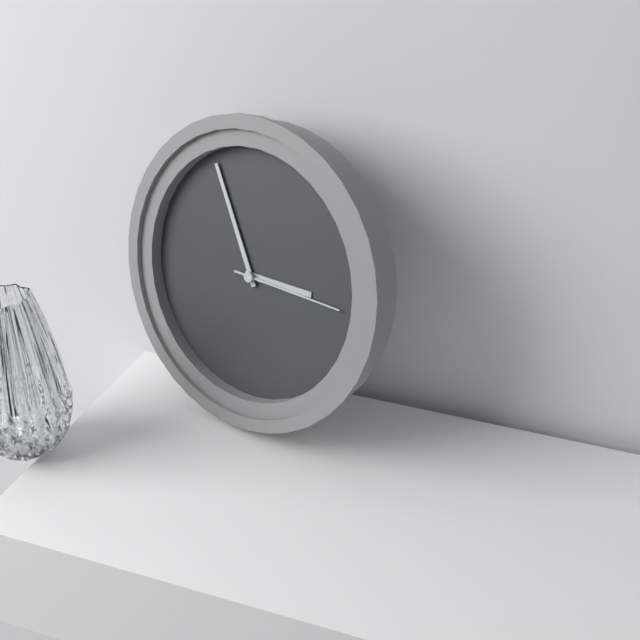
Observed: 2h55m15s
